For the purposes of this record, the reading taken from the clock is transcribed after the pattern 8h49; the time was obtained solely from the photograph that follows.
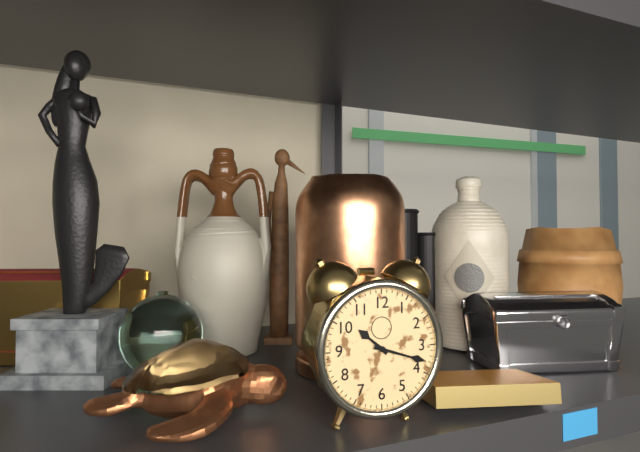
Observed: 10h18
